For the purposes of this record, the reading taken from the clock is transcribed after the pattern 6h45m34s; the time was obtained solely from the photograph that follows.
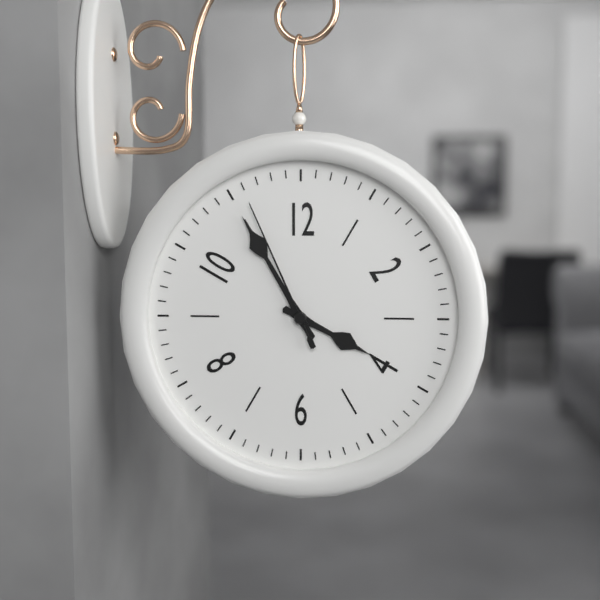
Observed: 3h55m56s
